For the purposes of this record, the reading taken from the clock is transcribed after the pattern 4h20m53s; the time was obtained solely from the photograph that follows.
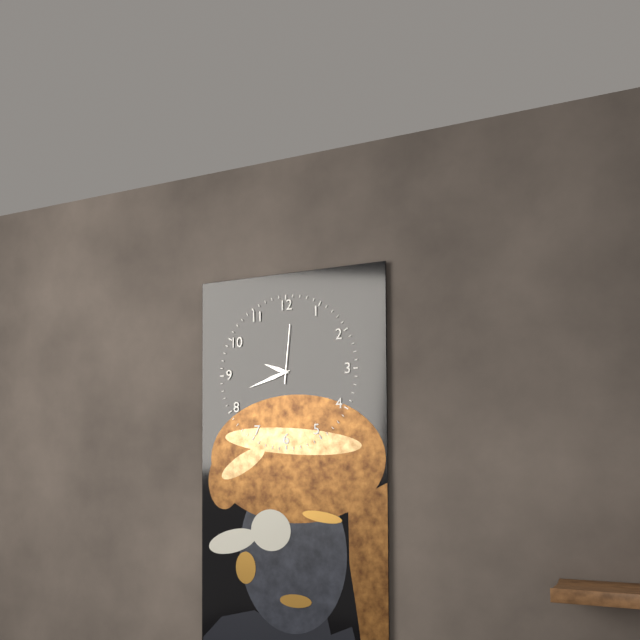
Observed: 9h42m01s
